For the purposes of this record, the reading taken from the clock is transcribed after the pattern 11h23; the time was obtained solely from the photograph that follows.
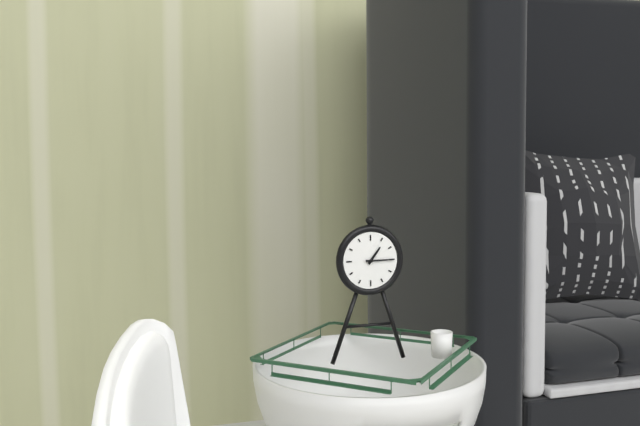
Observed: 1h15
